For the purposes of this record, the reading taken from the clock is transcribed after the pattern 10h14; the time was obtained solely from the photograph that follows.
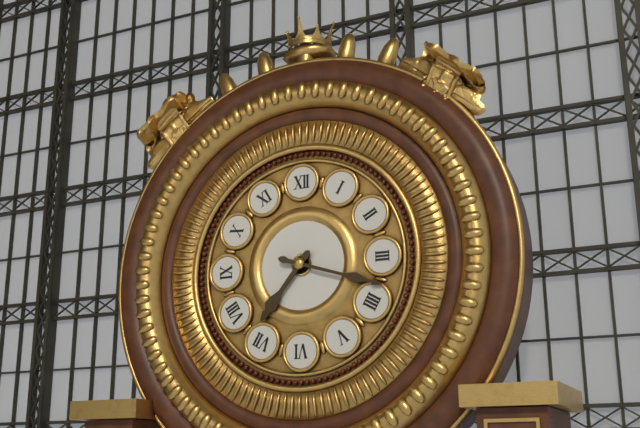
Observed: 7h18
